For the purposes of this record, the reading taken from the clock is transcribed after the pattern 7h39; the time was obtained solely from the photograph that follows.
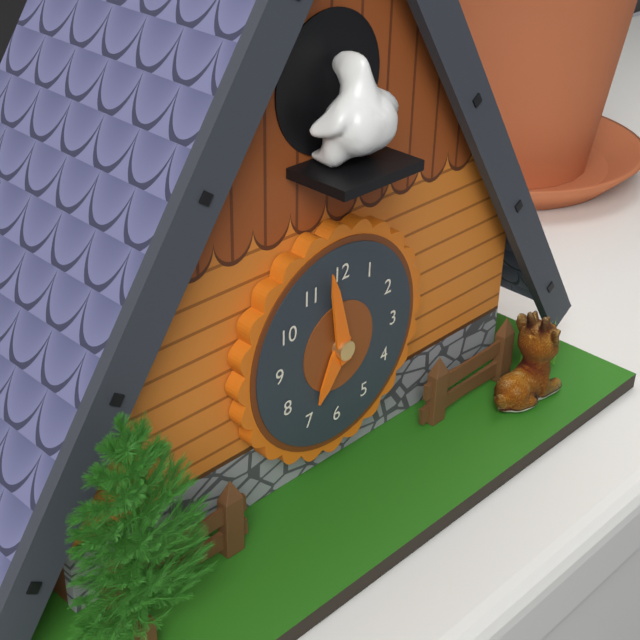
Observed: 6h58
